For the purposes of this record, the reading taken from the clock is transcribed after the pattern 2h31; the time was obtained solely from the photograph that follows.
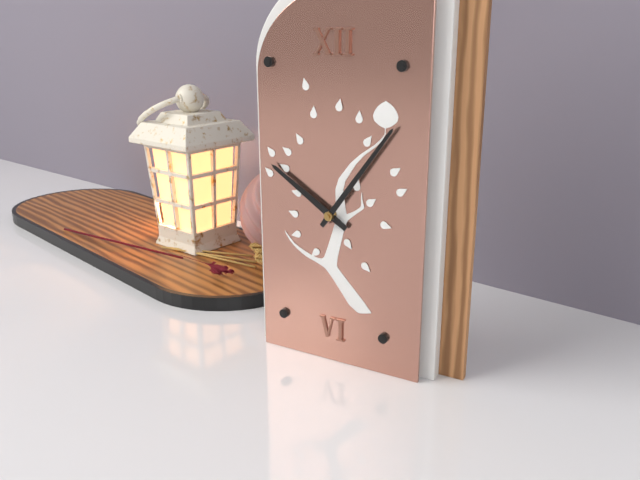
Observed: 10h06
